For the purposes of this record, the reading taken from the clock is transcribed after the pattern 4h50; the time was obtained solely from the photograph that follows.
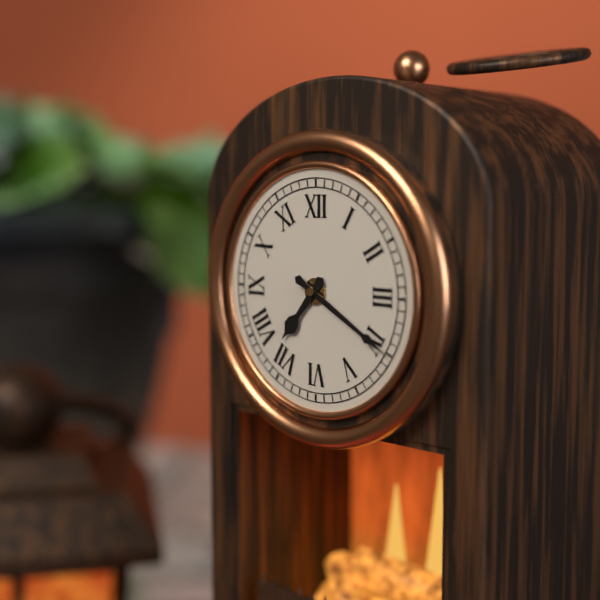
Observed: 7h20
